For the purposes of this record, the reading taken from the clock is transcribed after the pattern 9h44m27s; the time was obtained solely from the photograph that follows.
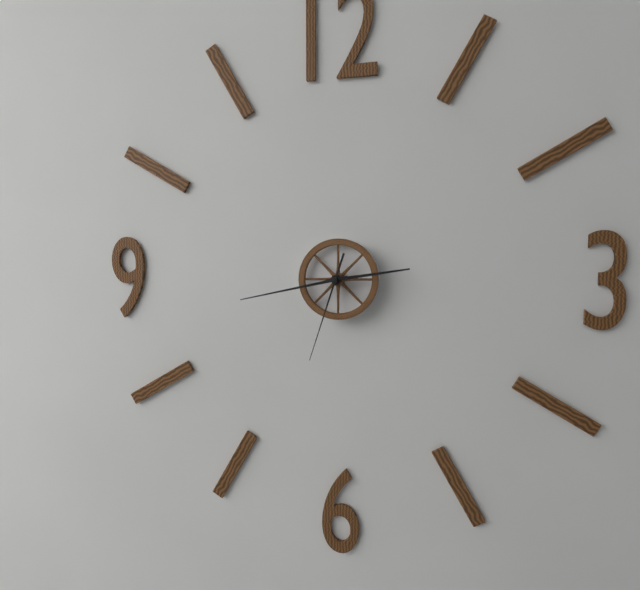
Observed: 2h43m33s
